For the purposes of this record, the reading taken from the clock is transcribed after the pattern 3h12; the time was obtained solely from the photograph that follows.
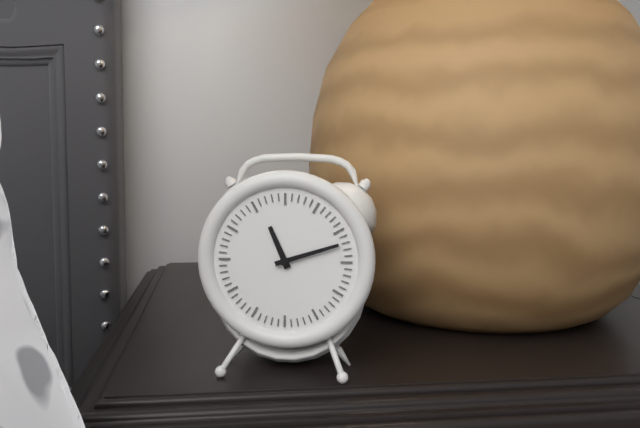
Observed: 11h12
